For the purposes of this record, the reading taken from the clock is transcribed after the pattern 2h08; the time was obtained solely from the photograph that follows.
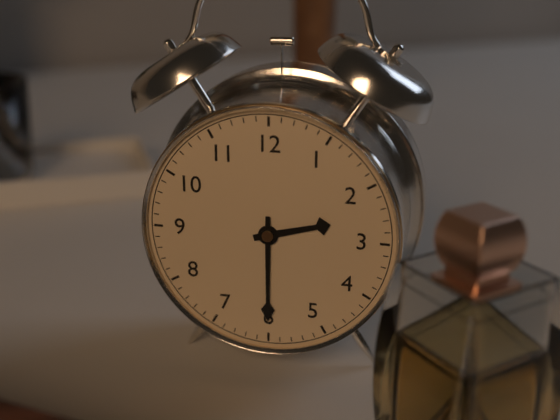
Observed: 2h30
